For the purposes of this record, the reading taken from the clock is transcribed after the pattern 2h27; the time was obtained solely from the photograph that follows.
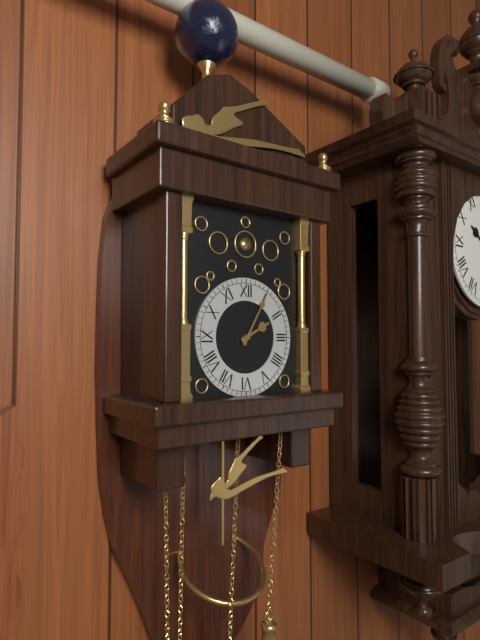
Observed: 2h05
